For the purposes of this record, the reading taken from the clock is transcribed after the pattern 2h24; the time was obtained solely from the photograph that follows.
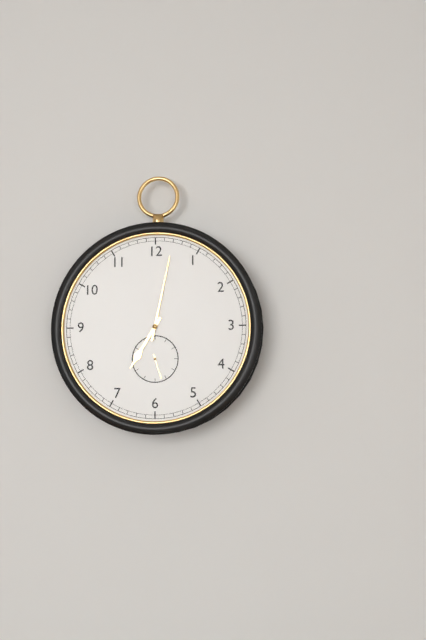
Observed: 7h02
